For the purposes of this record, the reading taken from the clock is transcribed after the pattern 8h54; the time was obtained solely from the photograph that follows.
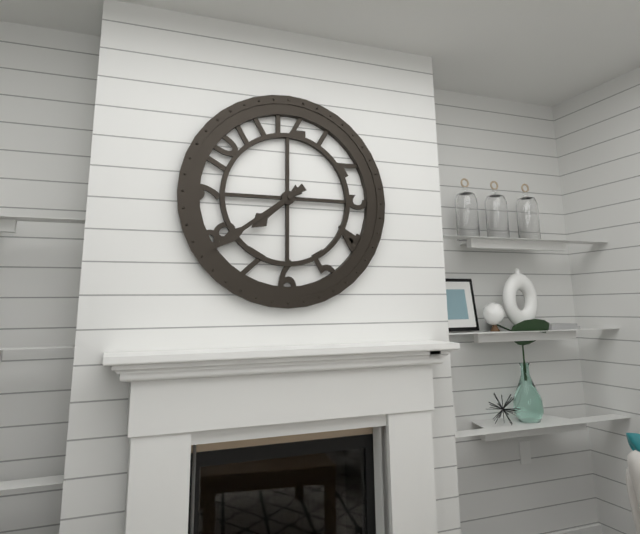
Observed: 7h39
